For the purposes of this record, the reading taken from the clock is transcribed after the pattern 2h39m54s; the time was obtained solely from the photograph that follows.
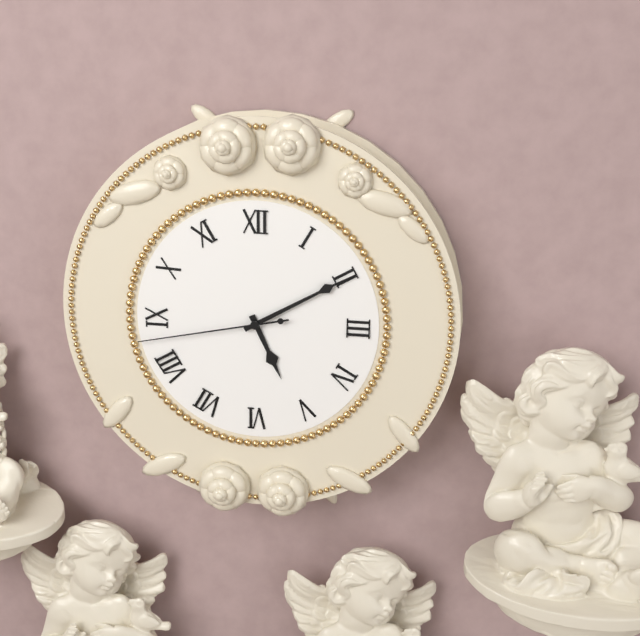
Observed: 5h10m43s
